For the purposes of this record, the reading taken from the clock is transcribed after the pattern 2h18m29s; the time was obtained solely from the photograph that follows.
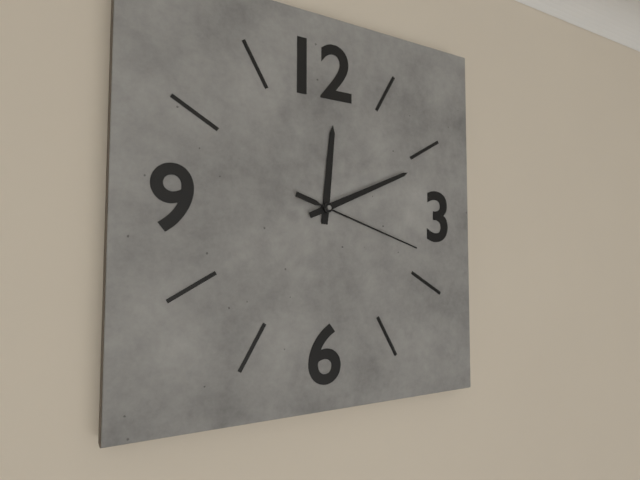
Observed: 12h11m18s
